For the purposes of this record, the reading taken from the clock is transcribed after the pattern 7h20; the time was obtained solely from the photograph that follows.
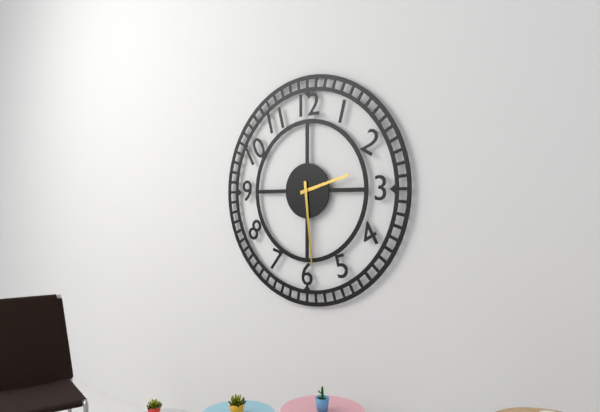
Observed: 2h29
